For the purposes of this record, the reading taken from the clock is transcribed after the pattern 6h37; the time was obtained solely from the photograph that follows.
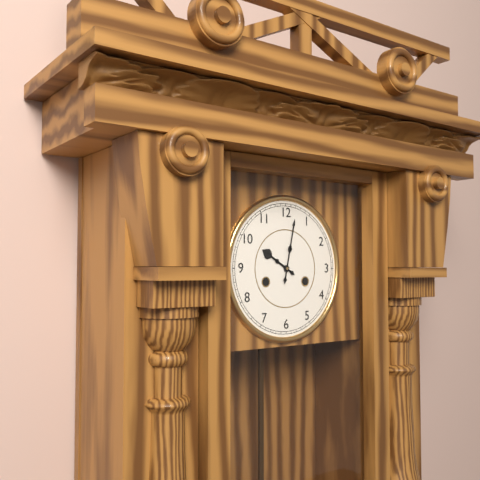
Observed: 10h02
